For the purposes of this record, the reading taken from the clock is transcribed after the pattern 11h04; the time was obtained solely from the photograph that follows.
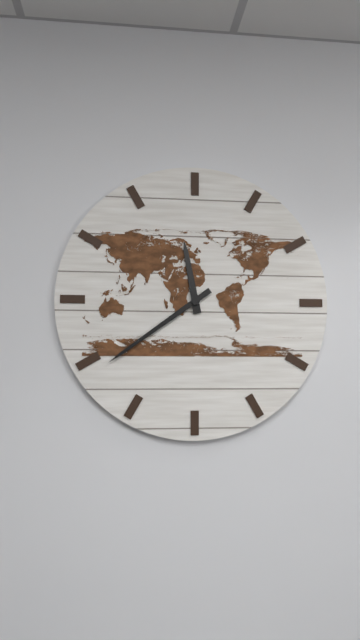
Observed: 11h39
